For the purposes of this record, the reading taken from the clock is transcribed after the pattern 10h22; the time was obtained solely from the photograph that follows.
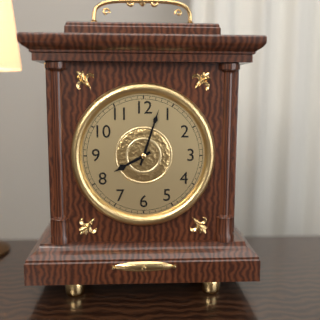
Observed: 8h03
